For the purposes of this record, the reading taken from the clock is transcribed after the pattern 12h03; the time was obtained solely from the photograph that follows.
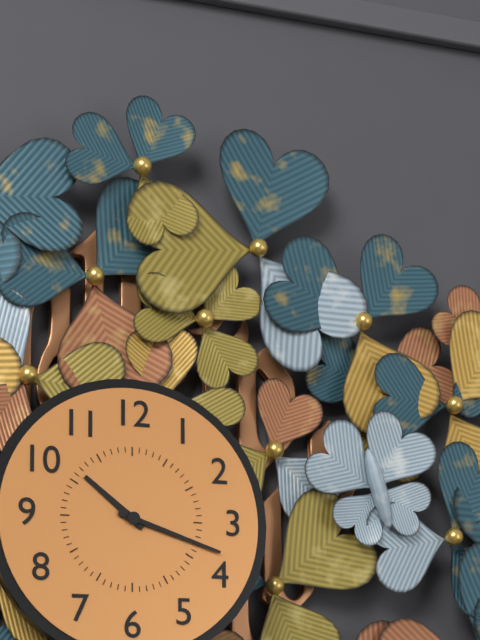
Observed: 10h18
